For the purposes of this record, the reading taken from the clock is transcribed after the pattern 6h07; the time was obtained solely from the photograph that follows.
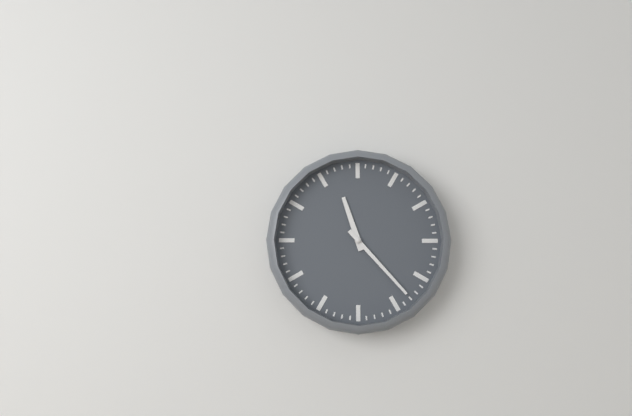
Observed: 11h23
